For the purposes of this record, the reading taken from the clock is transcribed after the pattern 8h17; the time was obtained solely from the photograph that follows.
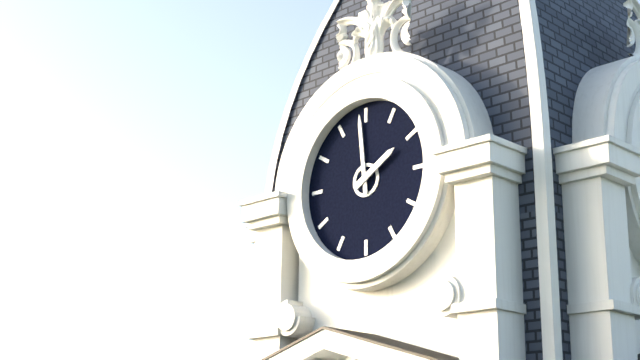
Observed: 1h59
